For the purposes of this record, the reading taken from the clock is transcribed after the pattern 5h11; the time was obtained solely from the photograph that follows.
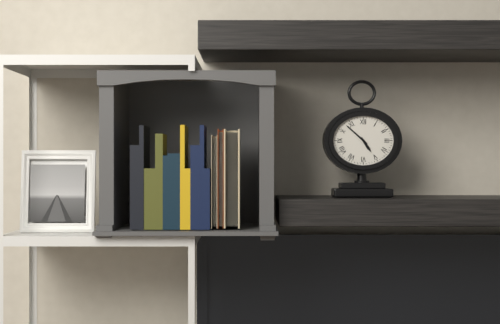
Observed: 4h52
